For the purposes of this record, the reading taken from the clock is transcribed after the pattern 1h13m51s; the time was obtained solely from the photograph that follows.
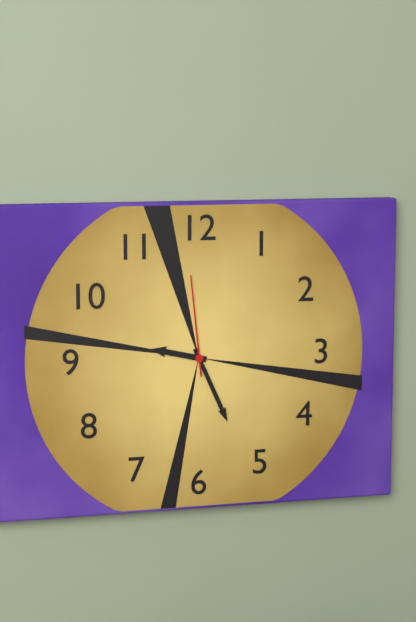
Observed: 9h26m59s
